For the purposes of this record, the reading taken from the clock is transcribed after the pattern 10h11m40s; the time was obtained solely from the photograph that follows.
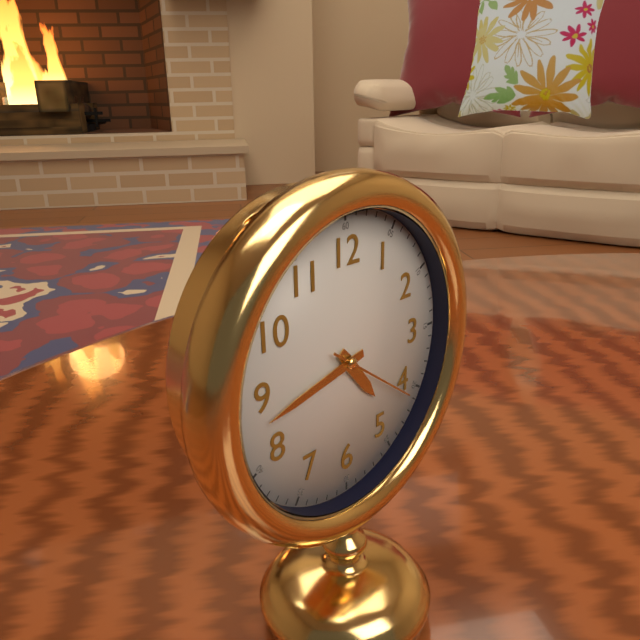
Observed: 4h43m21s
